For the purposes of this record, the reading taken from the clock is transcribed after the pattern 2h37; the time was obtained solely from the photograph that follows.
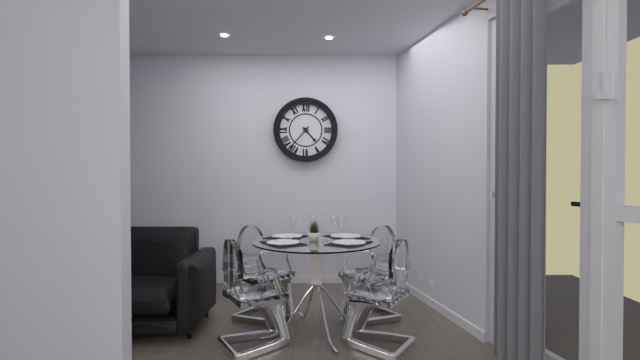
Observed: 4h37
